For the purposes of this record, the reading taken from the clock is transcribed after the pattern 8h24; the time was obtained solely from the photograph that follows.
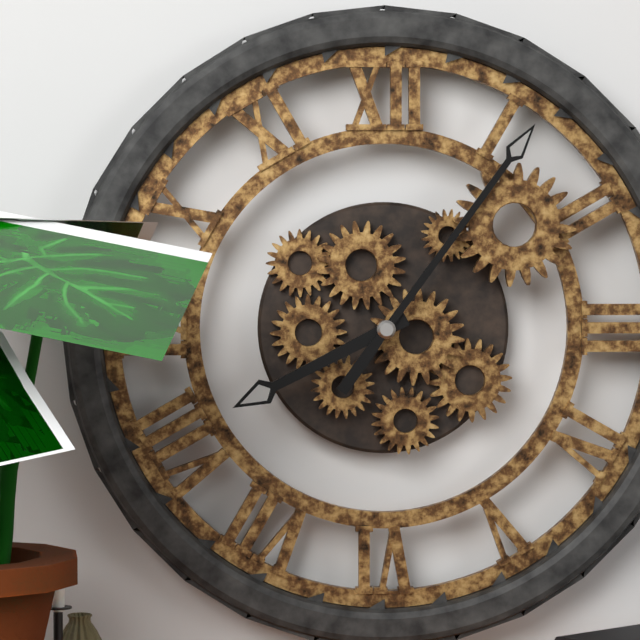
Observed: 8h06
